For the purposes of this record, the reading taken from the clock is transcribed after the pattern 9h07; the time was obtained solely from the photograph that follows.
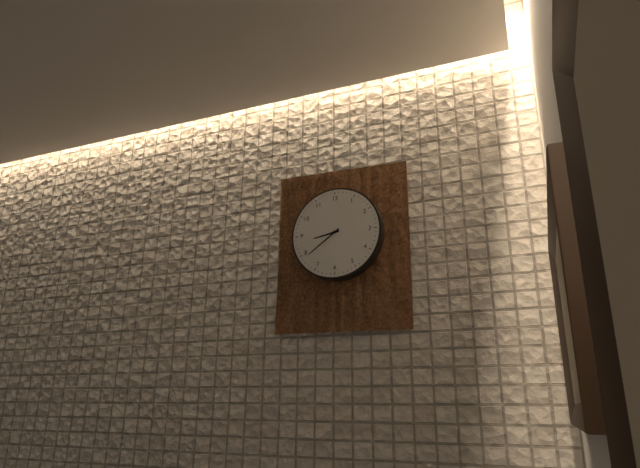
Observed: 8h39
